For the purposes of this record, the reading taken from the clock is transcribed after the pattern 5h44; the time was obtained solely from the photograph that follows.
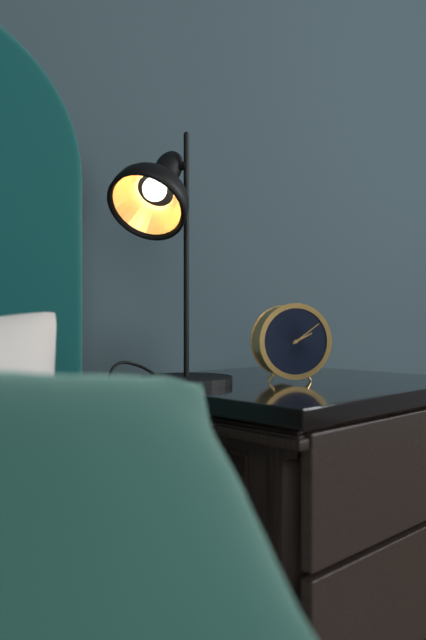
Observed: 2h09
